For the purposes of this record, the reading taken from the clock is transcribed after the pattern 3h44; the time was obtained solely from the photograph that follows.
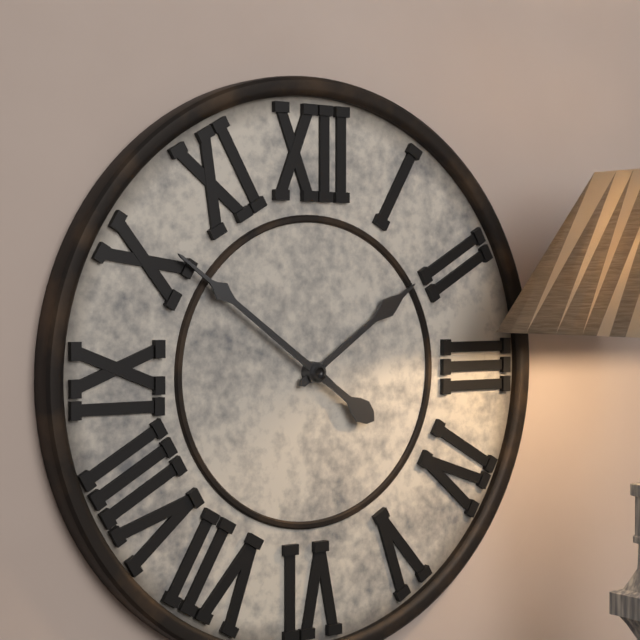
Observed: 1h51
